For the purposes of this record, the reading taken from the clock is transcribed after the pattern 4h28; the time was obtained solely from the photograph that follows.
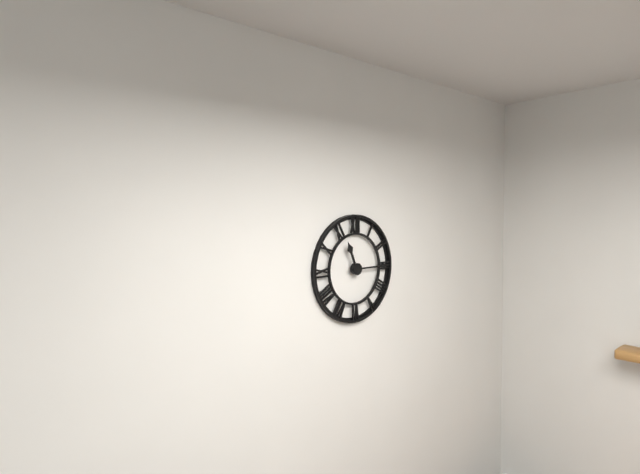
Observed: 11h15
